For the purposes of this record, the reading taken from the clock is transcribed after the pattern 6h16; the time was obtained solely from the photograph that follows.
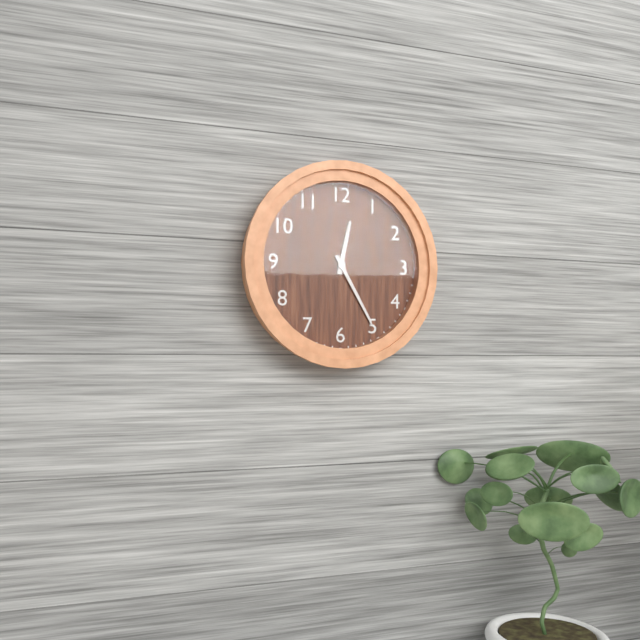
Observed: 12h25
